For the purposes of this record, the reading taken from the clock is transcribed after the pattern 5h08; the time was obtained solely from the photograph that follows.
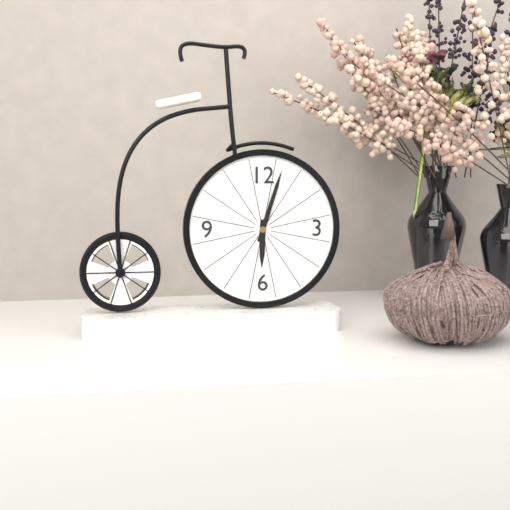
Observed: 6h03
